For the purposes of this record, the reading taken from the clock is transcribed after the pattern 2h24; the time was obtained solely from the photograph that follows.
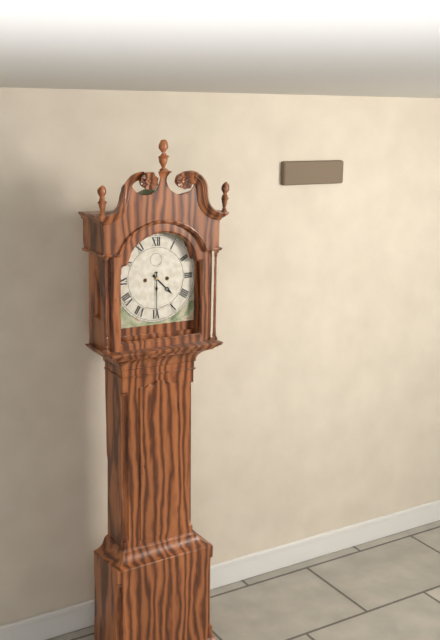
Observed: 4h30
